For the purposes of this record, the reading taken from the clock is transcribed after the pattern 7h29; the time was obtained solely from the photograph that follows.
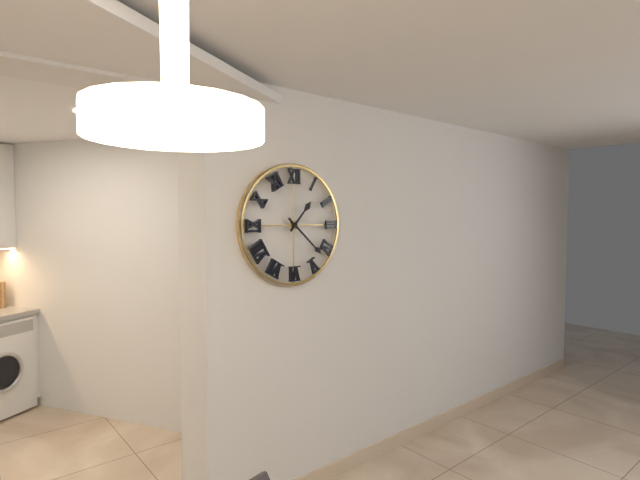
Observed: 1h22
